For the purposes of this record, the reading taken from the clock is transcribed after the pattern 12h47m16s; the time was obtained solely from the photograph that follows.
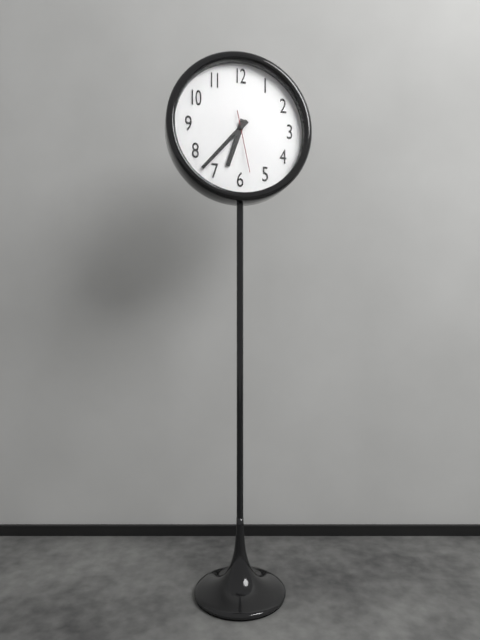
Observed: 6h37m28s
